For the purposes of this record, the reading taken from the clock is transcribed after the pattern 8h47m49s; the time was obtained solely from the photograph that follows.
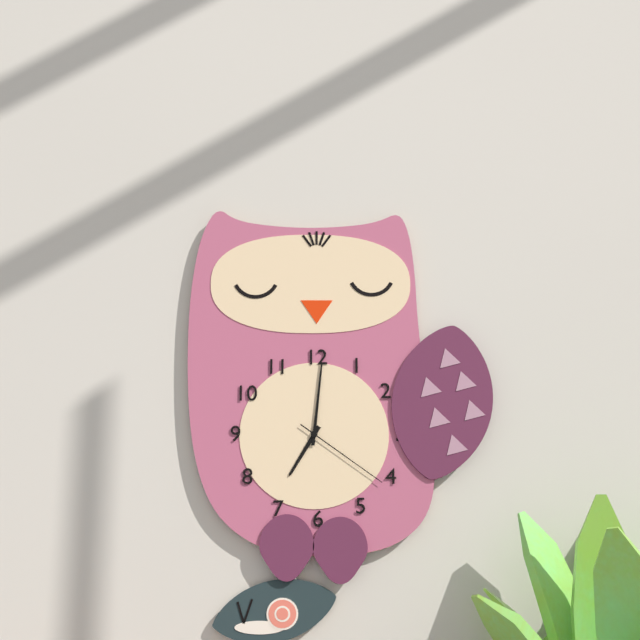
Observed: 7h01m21s
